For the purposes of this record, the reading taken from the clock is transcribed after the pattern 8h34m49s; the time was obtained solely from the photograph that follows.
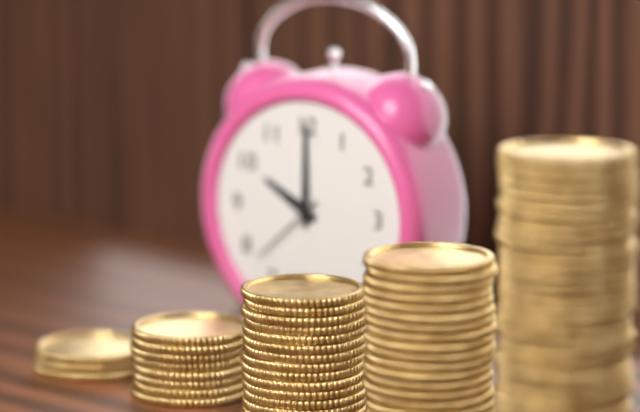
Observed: 10h00m38s
